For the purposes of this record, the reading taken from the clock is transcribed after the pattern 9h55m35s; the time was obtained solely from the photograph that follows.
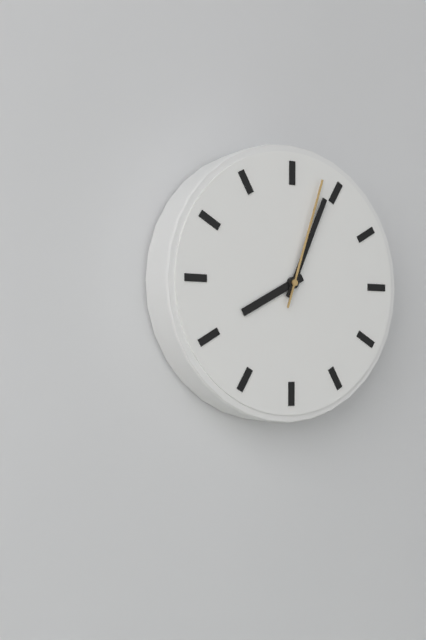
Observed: 8h04m03s
